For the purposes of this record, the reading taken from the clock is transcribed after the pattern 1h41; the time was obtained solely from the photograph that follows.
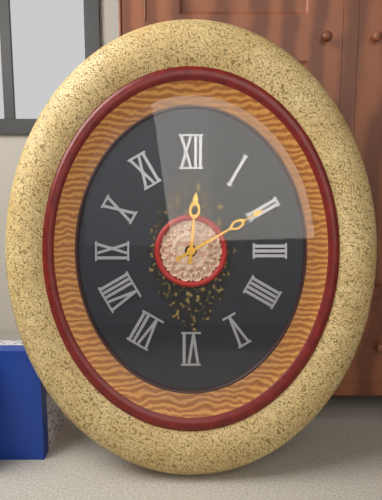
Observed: 12h10
